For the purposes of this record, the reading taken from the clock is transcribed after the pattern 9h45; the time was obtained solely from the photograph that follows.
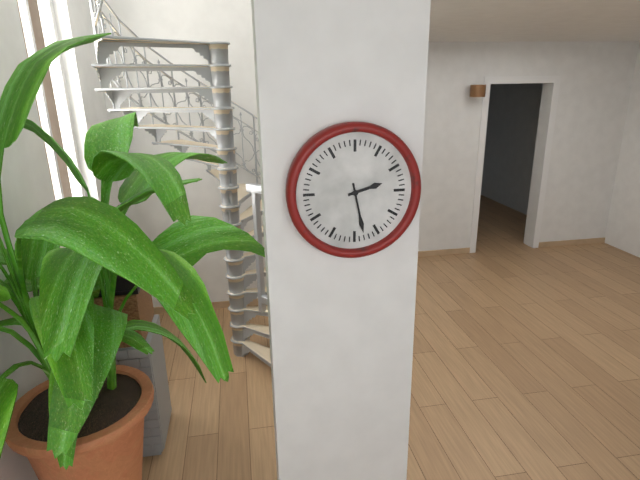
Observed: 2h28
